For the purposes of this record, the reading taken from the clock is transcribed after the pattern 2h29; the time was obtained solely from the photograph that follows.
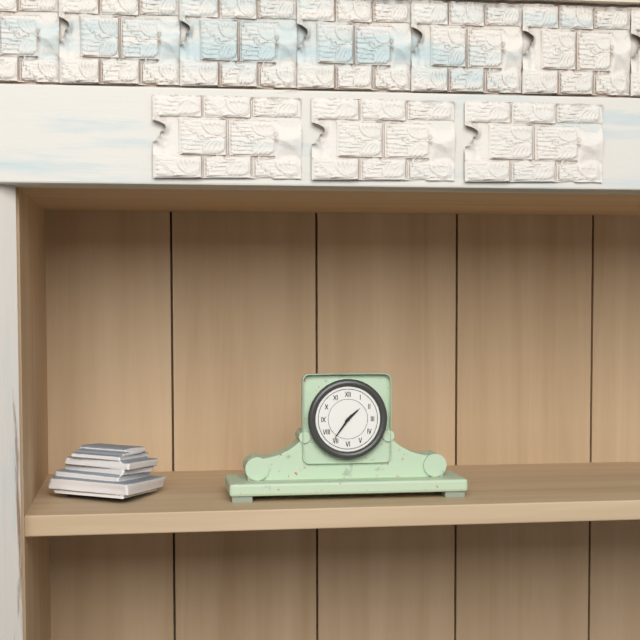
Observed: 1h36
